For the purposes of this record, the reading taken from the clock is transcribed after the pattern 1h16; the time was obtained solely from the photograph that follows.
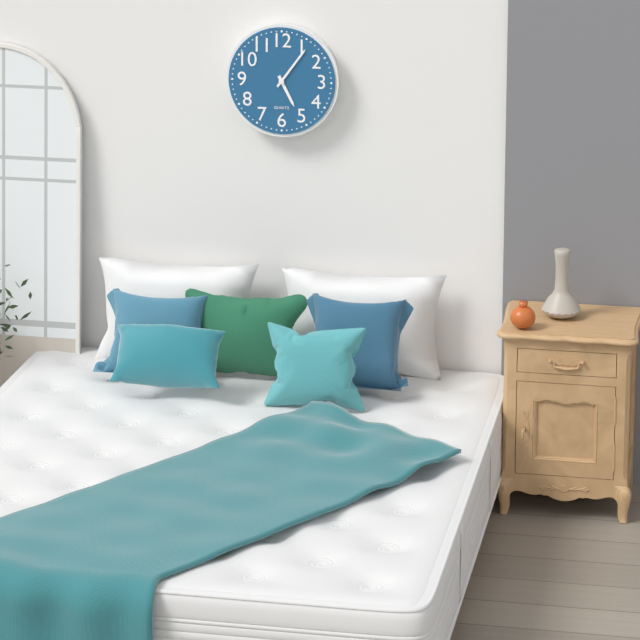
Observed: 5h06
